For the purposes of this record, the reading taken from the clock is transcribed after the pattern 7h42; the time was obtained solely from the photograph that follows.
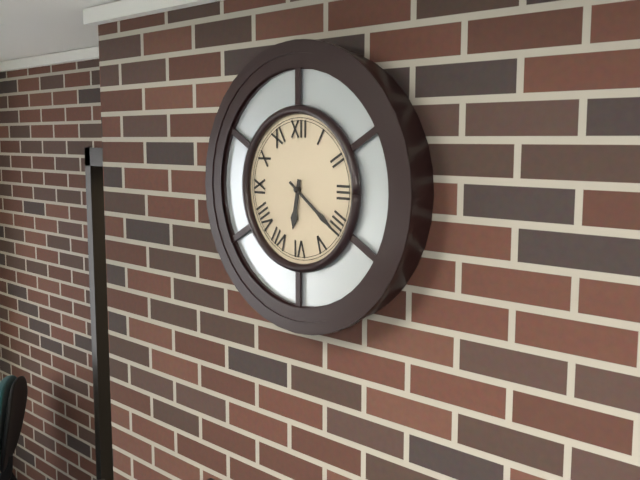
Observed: 6h21
